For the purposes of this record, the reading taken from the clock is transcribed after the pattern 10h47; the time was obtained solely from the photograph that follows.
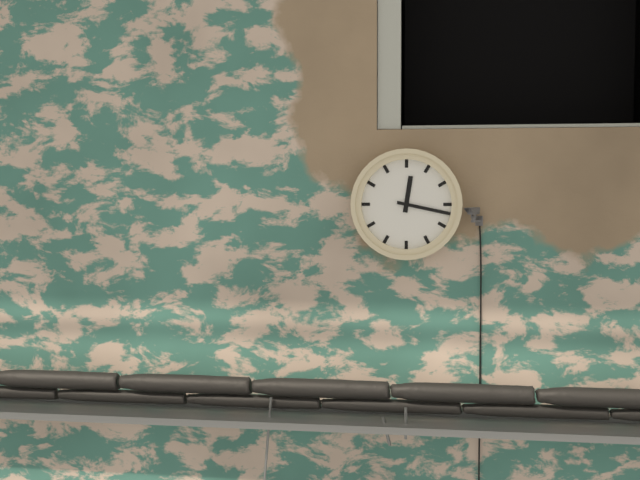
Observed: 12h17
